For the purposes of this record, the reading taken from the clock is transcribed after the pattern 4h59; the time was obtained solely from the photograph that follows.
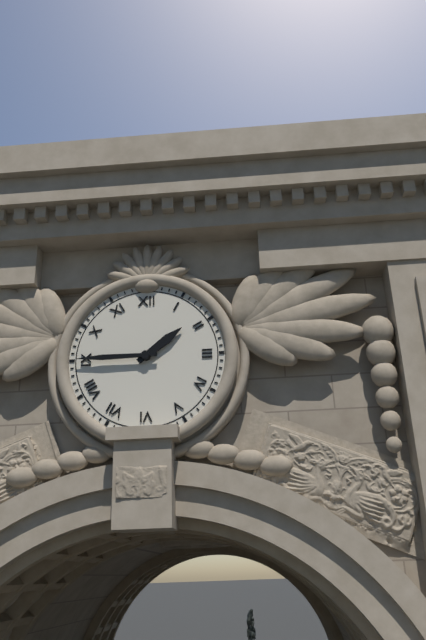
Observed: 1h45
